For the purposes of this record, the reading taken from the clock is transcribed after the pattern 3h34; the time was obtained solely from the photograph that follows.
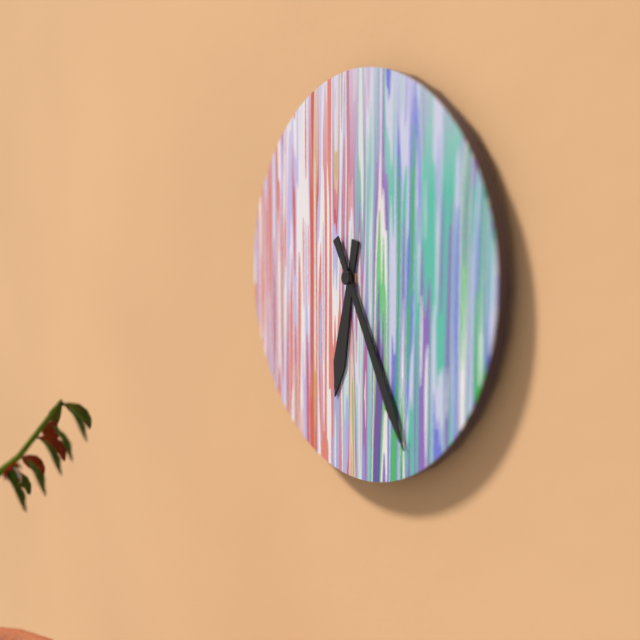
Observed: 6h25
